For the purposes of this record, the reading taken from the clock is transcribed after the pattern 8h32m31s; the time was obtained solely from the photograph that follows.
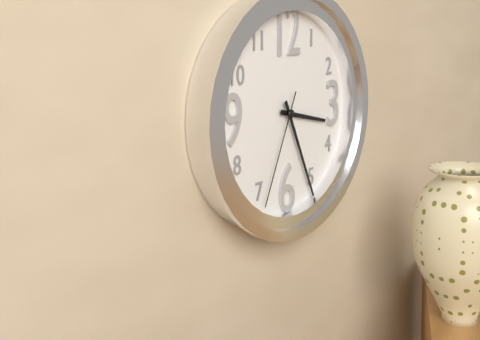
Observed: 3h26m34s
